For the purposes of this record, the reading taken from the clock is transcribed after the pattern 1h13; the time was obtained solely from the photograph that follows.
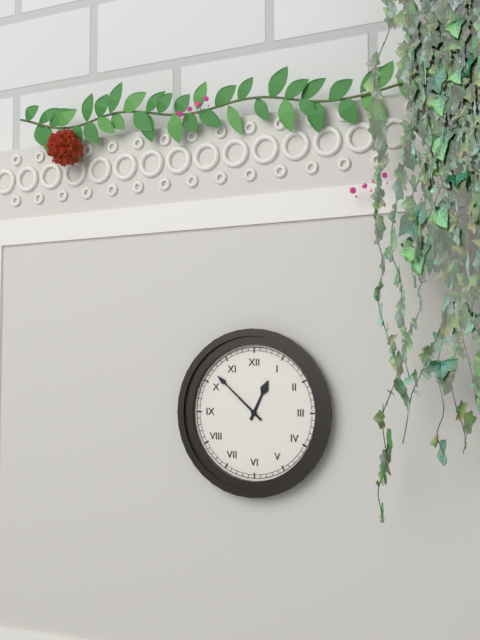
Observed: 12h52
